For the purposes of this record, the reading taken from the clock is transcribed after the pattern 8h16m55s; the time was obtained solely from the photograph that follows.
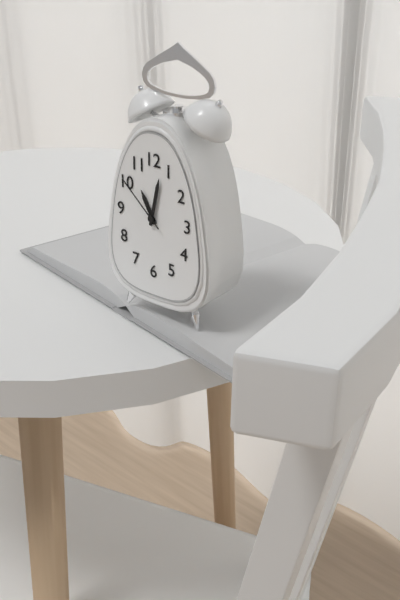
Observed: 11h02m52s
